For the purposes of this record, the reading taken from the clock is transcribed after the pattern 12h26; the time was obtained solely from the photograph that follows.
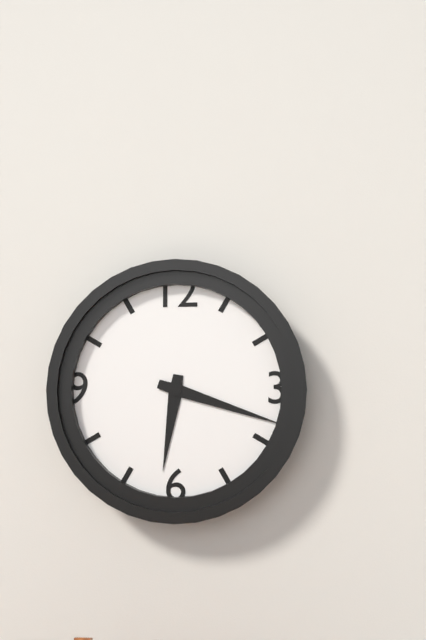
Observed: 6h18
